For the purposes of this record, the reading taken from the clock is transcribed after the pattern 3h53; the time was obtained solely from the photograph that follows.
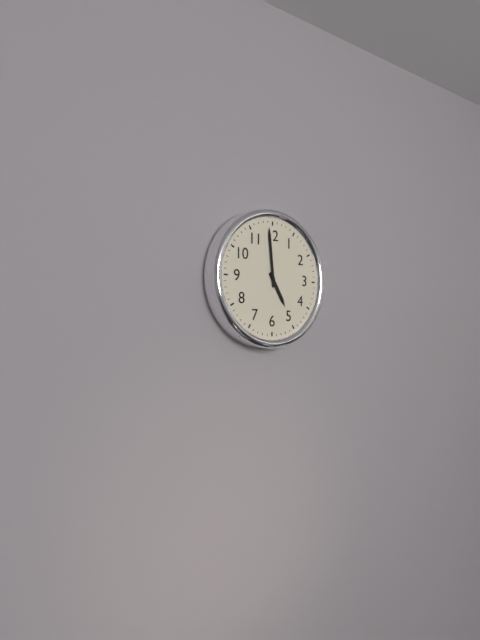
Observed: 4h59
